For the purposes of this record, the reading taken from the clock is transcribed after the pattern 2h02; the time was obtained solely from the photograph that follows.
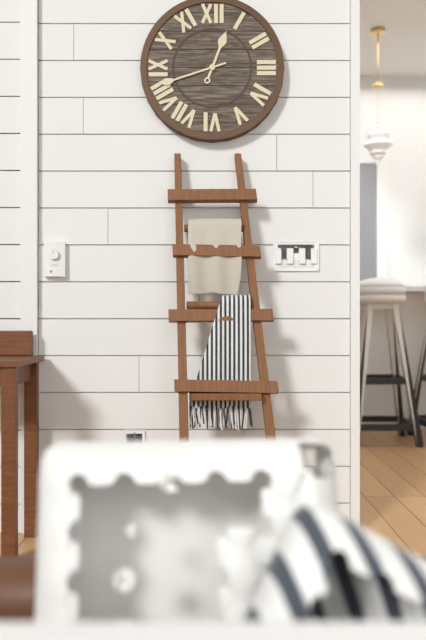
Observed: 12h42
